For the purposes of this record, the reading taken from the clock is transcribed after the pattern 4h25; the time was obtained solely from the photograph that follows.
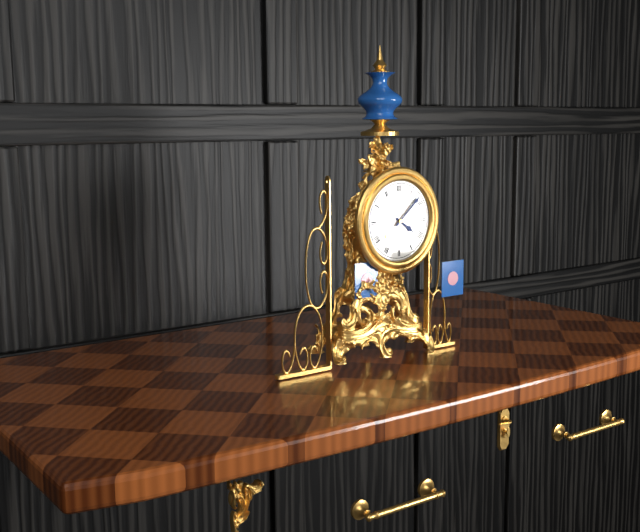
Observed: 4h08
